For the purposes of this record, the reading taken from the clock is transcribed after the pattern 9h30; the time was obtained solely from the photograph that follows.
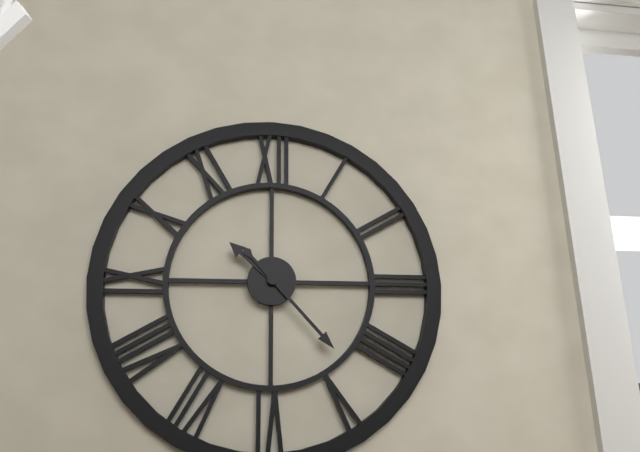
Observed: 10h23
